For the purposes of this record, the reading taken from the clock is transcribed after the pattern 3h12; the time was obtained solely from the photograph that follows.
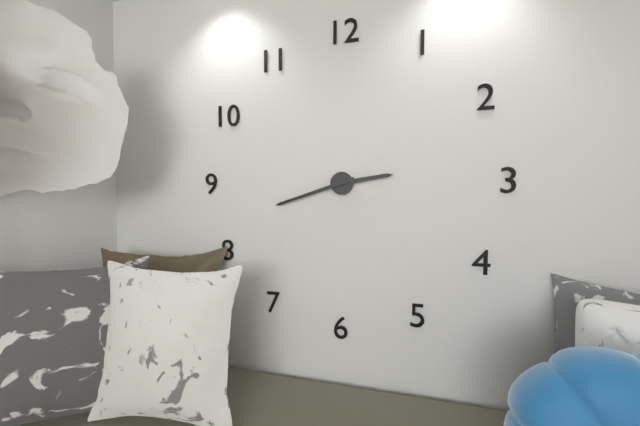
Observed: 2h42
